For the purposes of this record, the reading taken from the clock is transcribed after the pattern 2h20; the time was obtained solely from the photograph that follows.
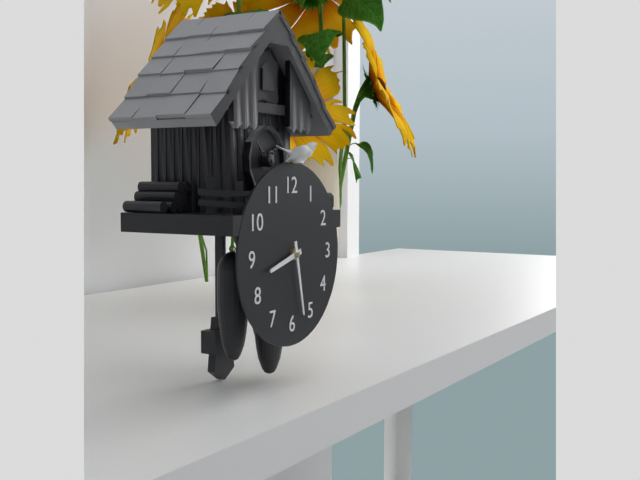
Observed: 8h28
